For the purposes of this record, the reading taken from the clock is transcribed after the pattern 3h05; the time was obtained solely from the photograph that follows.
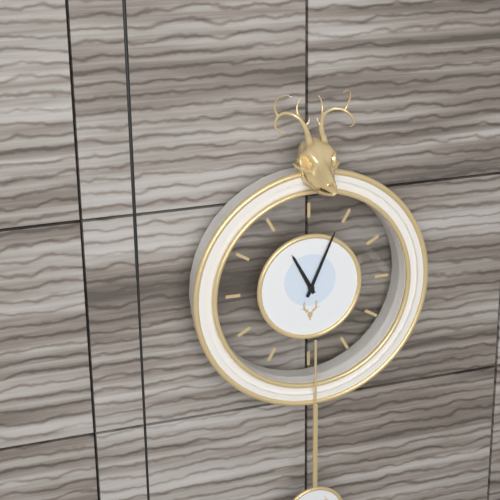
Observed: 11h04
